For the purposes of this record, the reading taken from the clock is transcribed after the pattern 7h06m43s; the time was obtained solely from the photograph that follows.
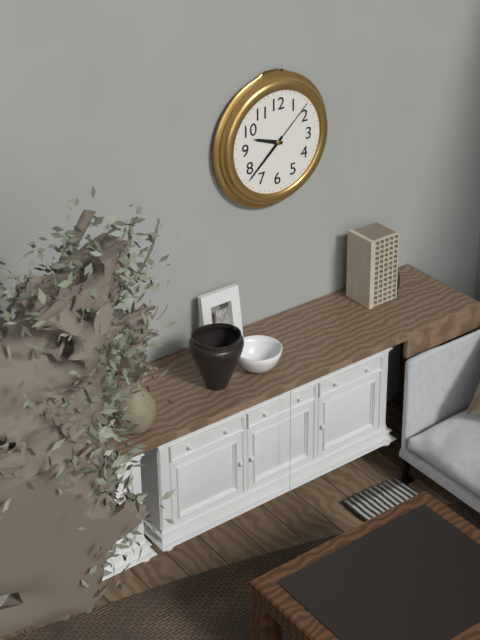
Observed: 9h38m08s
